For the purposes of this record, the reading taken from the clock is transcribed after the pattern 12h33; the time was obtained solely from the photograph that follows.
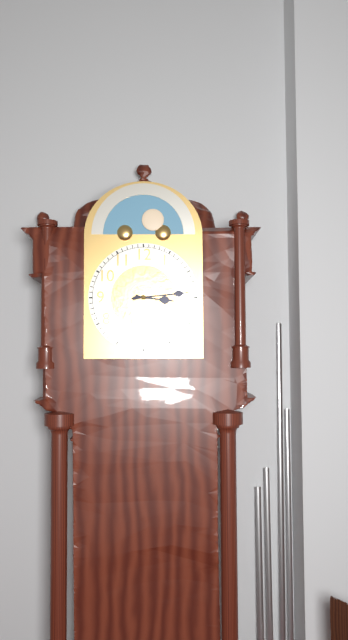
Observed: 3h14
